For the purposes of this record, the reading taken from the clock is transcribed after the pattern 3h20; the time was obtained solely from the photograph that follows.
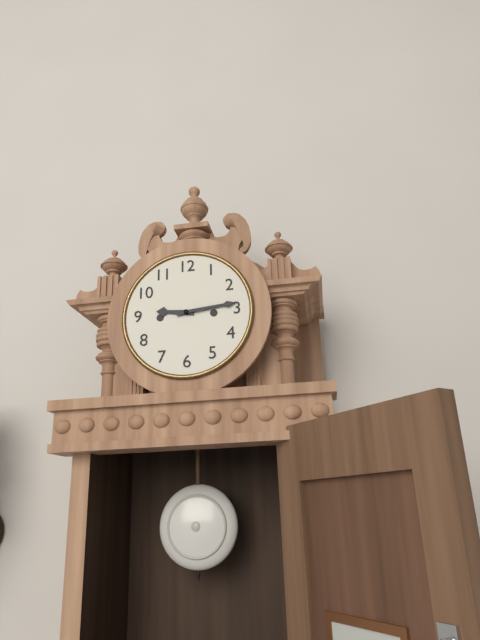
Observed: 9h14
